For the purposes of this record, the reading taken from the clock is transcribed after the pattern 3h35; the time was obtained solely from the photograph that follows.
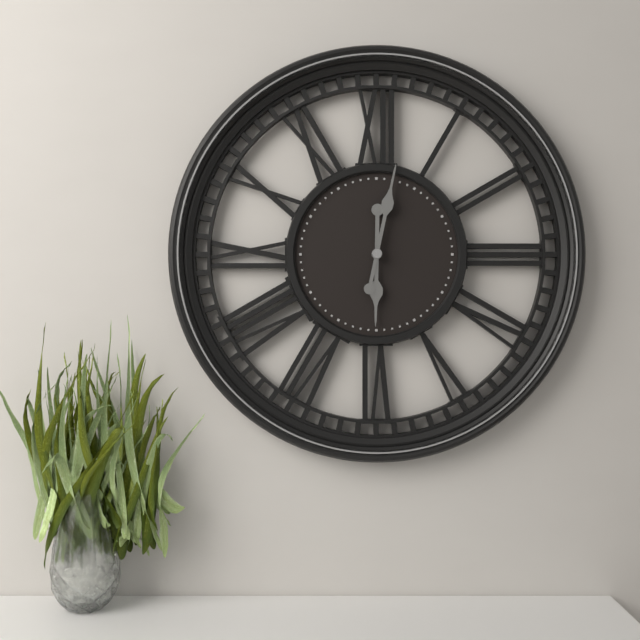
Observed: 6h02
